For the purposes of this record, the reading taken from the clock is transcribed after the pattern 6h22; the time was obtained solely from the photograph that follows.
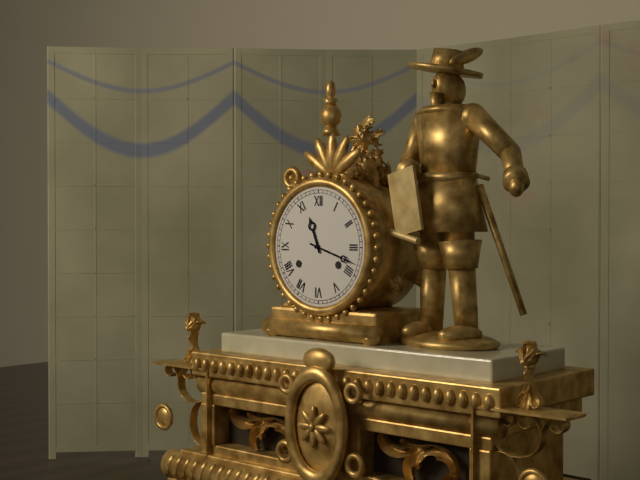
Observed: 11h18
